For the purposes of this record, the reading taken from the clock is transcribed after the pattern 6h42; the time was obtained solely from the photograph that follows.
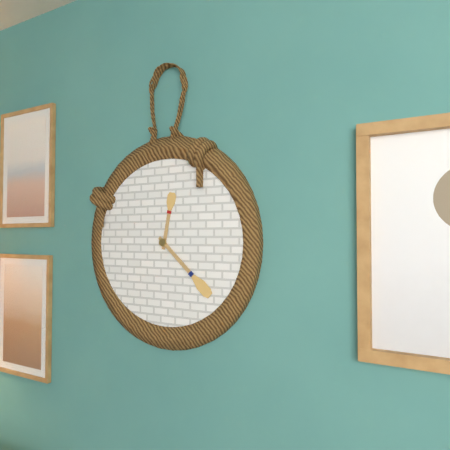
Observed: 12h22
